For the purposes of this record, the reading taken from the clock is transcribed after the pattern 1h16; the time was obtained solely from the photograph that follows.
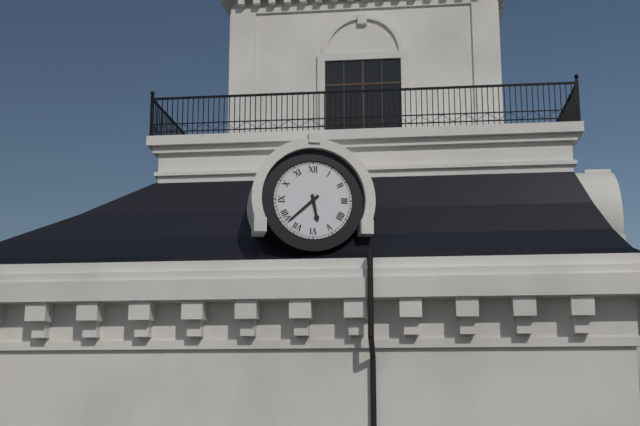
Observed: 5h38
